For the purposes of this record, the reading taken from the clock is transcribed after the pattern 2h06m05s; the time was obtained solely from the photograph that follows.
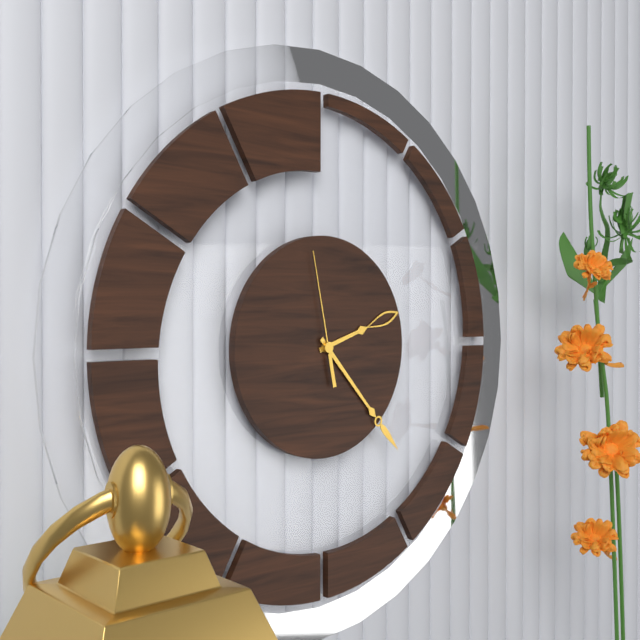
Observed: 2h23m58s
